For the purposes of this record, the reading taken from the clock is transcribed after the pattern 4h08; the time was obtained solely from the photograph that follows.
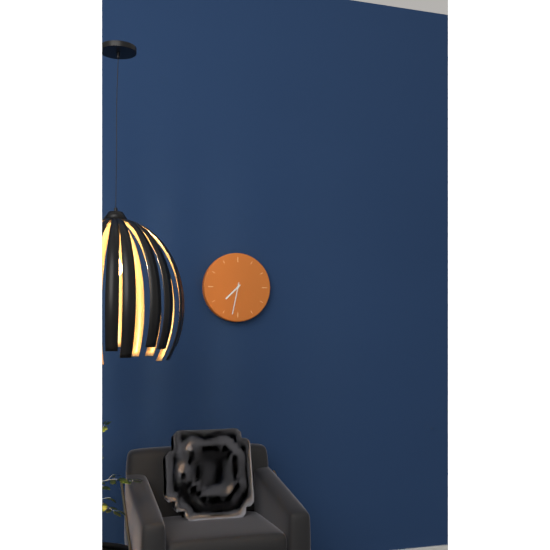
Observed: 7h32
